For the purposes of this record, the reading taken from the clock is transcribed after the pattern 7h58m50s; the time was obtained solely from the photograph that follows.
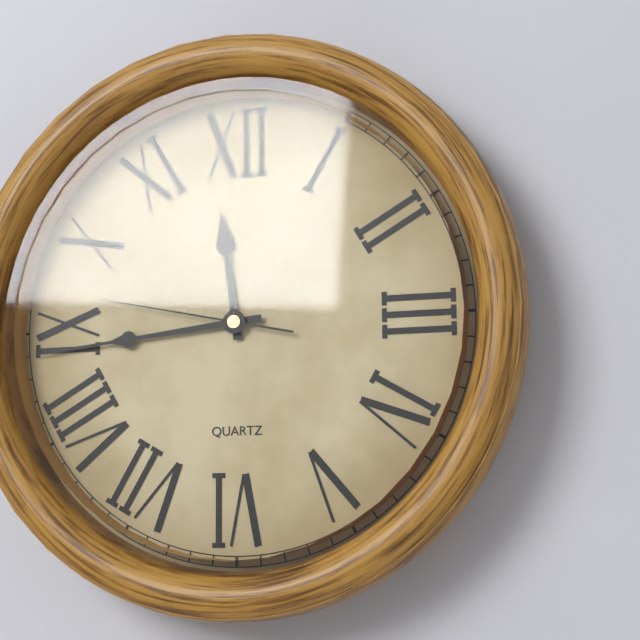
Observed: 11h44m47s
